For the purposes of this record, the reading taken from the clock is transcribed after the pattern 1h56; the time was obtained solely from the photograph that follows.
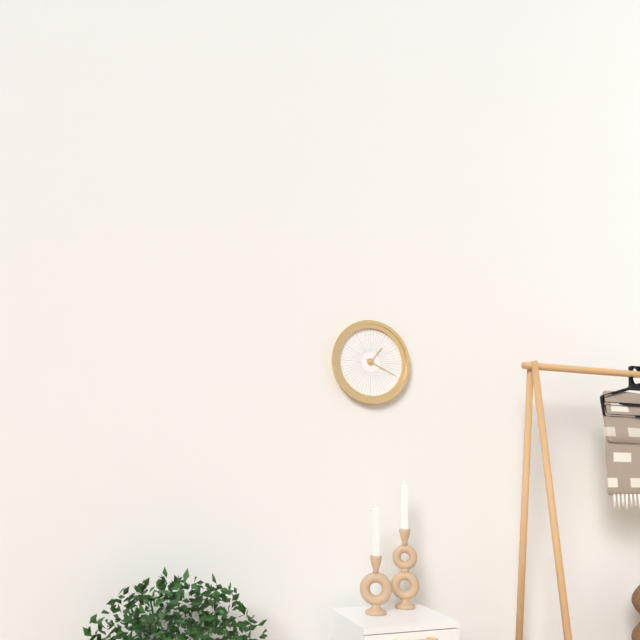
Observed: 1h19
